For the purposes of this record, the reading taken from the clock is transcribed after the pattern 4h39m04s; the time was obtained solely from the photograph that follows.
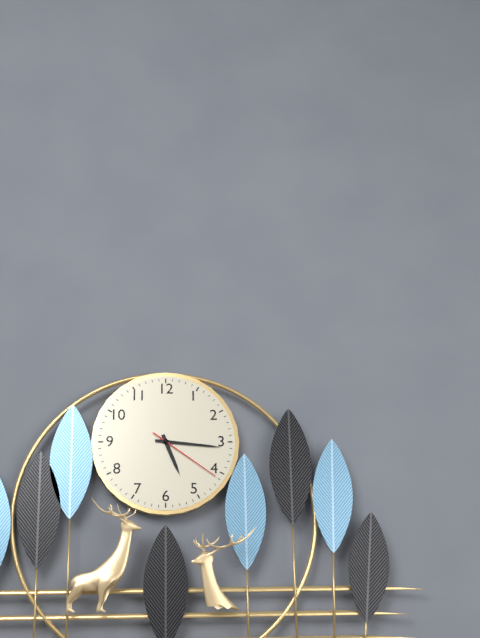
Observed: 5h16m21s
